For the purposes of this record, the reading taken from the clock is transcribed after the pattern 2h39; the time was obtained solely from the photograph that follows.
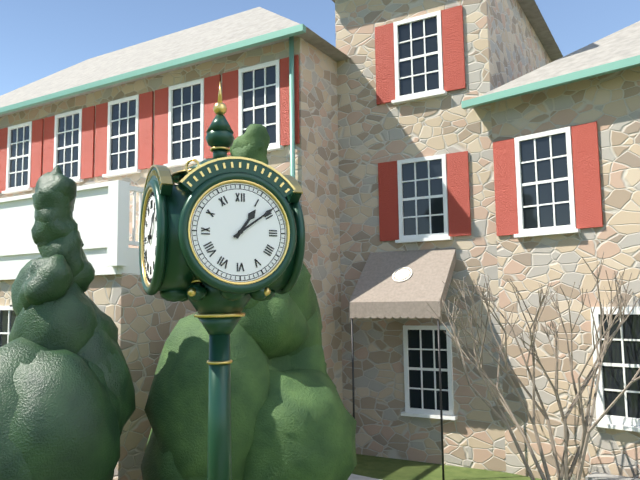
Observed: 1h09
